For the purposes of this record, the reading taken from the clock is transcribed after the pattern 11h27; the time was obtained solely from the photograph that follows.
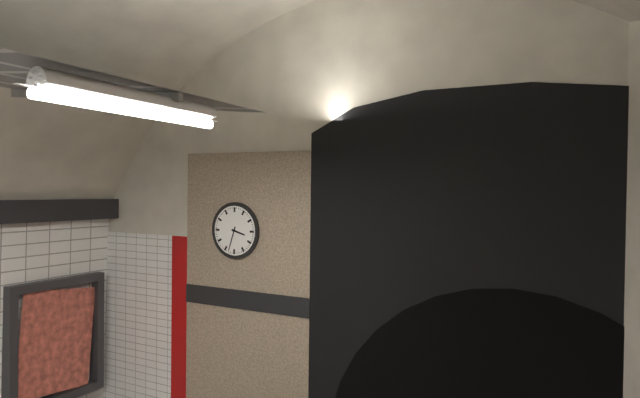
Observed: 3h33
